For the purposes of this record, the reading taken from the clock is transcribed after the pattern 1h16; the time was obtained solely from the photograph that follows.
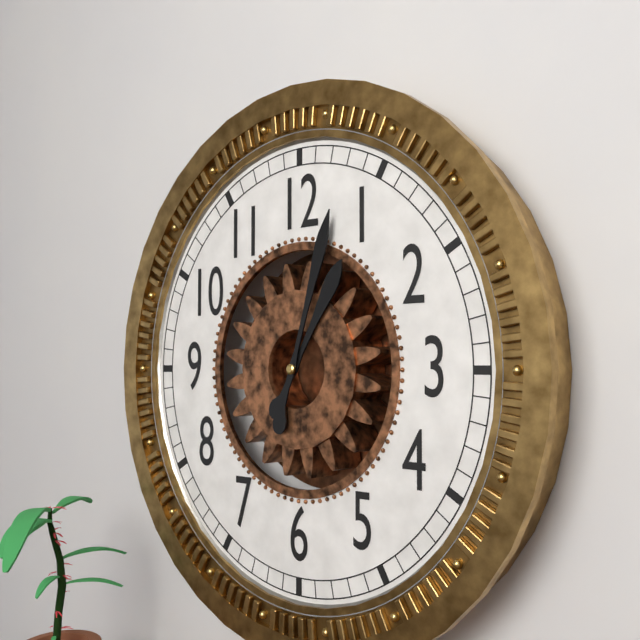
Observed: 1h03
